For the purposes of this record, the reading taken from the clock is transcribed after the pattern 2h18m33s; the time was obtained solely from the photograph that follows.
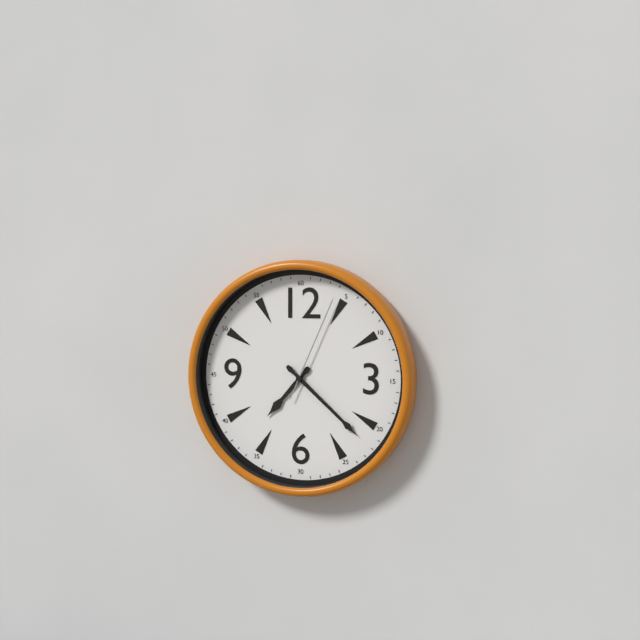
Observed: 7h22m04s
